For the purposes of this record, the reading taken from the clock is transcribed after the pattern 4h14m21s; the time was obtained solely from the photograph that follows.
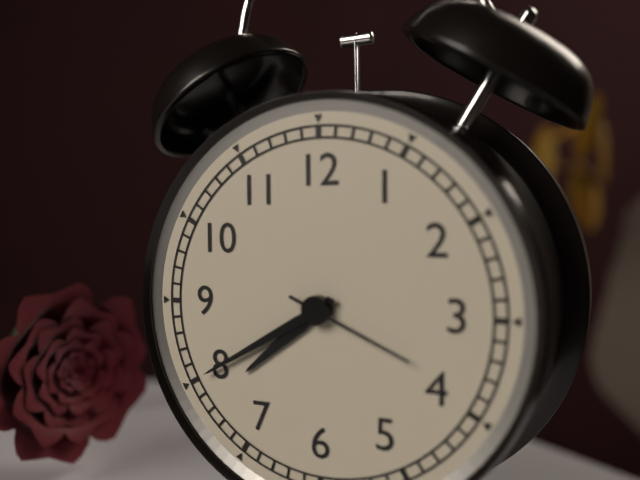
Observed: 7h40m19s
